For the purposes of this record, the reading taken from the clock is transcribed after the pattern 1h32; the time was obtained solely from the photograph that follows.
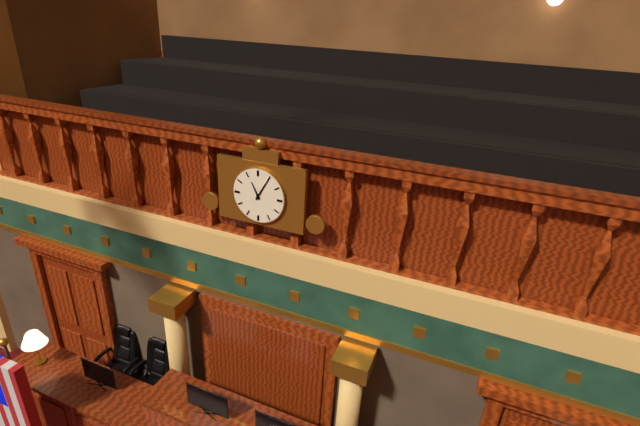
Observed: 11h05
